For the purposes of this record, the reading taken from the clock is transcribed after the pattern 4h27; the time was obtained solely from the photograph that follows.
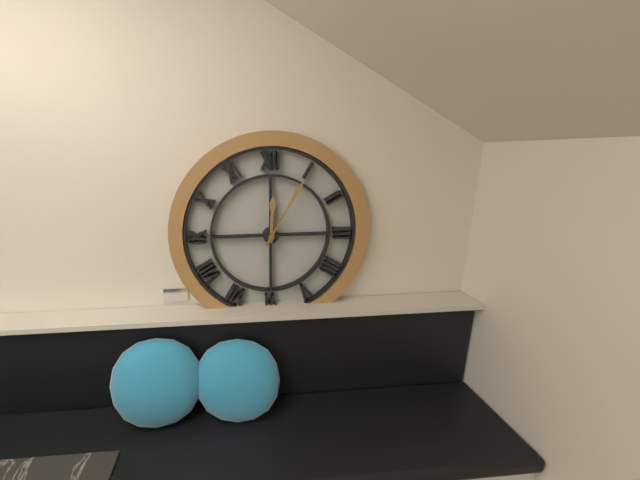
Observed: 12h05
